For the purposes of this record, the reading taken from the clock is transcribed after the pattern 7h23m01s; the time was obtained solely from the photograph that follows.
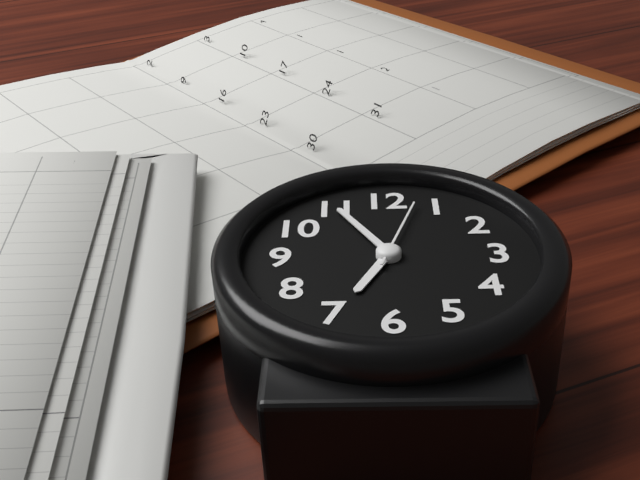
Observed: 6h55m03s
